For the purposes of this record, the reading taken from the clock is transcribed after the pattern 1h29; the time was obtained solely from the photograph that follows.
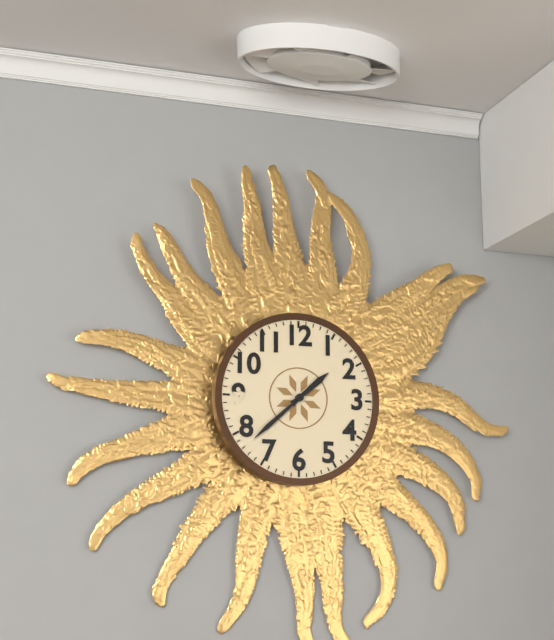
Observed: 1h38
